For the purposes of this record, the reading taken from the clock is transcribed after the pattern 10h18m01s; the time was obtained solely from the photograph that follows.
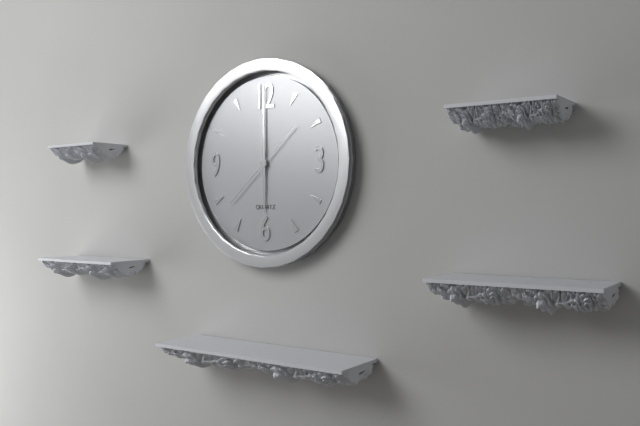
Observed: 6h00m38s
